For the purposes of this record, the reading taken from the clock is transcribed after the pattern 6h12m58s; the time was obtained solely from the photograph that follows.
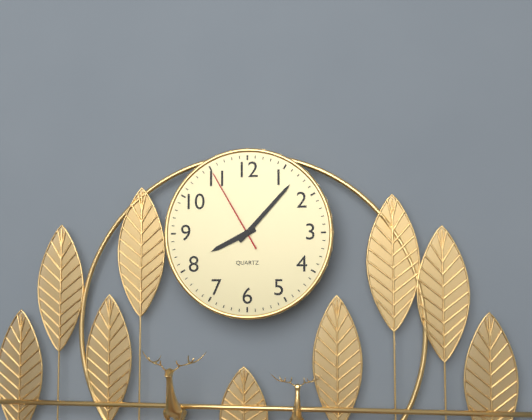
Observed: 8h07m55s
